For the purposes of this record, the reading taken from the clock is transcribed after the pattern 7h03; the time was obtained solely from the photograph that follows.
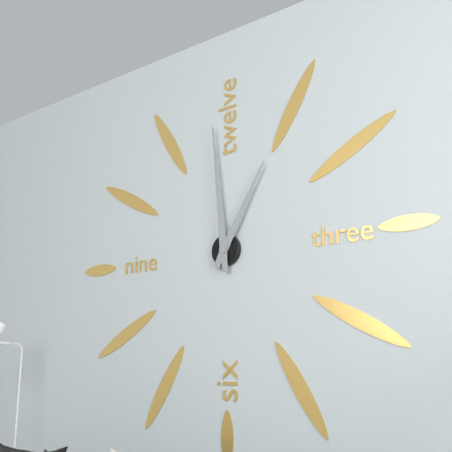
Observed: 12h59
